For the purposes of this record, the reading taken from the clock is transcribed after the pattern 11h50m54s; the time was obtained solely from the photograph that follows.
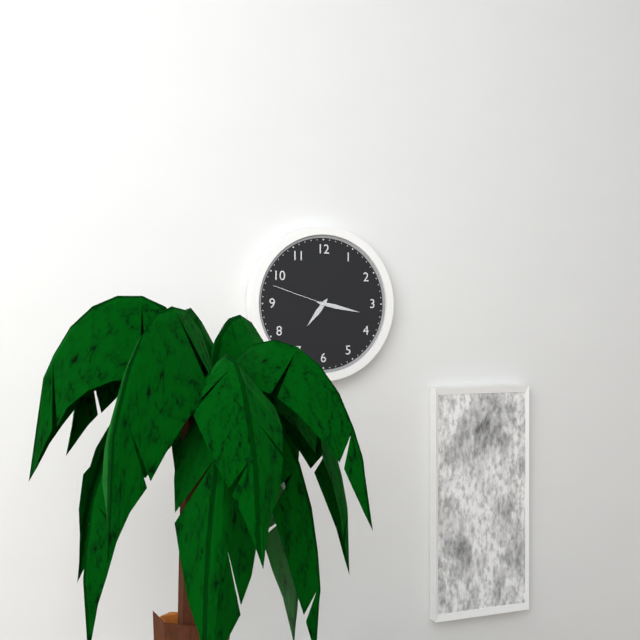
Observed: 7h17m48s
